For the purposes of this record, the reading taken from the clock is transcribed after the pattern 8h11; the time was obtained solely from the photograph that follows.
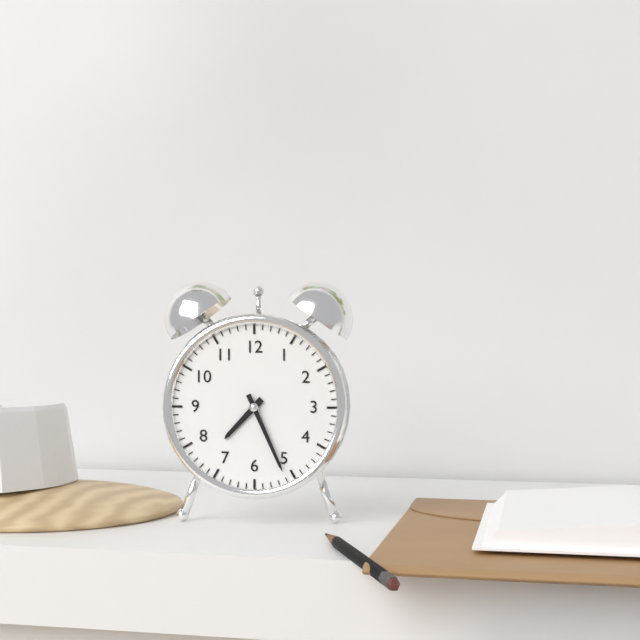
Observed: 7h26
